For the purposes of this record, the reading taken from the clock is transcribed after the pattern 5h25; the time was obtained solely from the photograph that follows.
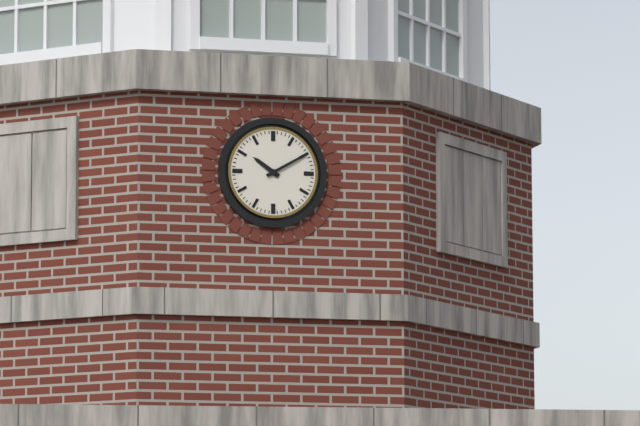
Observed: 10h10
